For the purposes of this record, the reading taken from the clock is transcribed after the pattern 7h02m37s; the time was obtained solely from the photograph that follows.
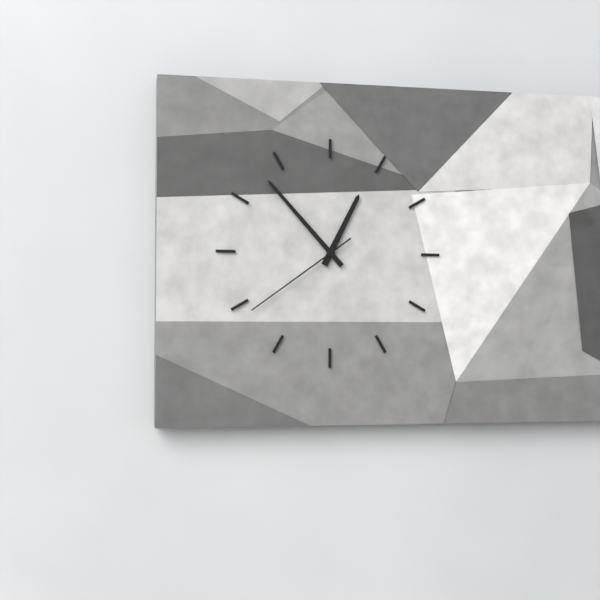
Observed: 12h53m39s
